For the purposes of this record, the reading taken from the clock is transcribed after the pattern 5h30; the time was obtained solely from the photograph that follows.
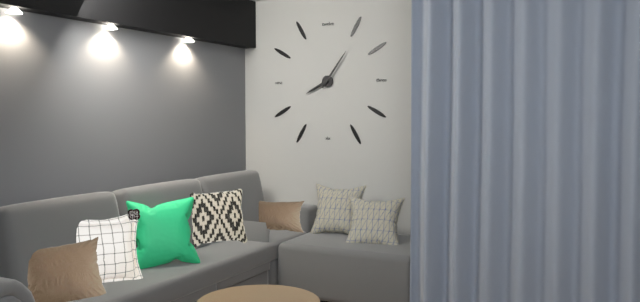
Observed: 8h06
